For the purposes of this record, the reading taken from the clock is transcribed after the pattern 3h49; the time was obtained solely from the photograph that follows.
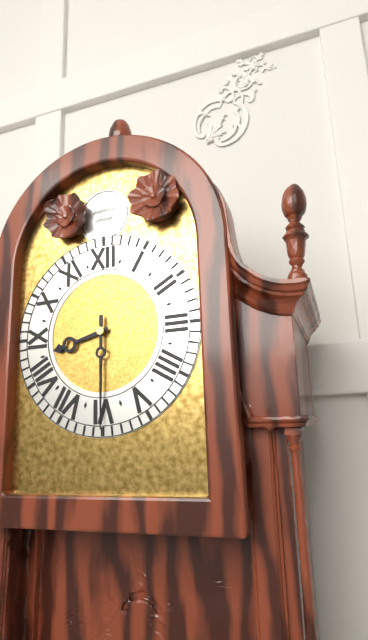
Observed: 8h30
